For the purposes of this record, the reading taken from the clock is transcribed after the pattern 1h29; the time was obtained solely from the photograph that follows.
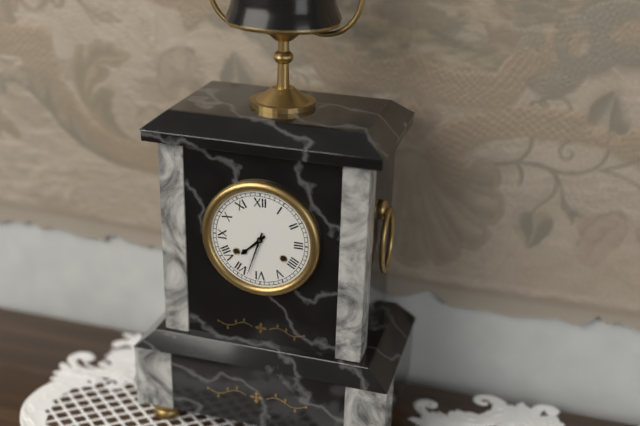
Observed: 7h33
